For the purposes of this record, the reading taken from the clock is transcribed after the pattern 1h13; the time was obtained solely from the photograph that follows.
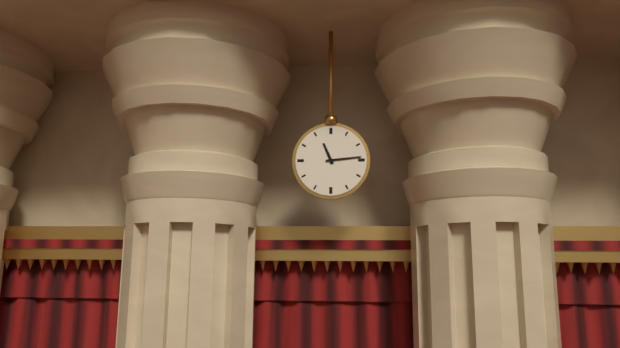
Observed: 11h14
